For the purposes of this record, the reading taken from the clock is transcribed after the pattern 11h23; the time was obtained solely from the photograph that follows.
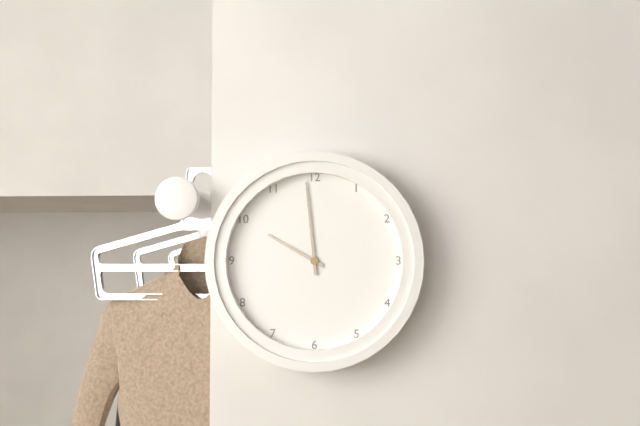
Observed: 9h59
